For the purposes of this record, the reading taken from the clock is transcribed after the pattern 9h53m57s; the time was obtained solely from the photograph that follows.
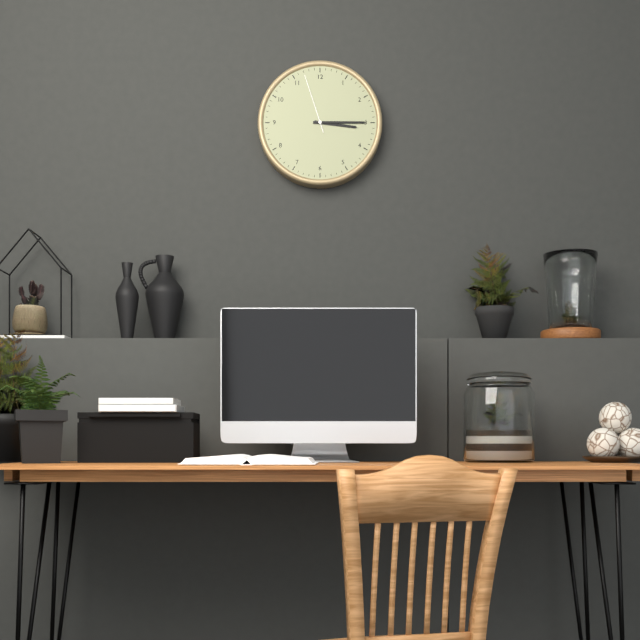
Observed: 3h15m57s
